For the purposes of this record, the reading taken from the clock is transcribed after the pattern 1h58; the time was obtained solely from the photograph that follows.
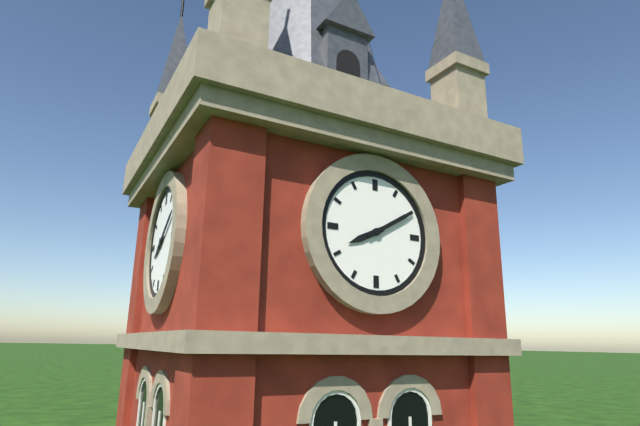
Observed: 8h10
